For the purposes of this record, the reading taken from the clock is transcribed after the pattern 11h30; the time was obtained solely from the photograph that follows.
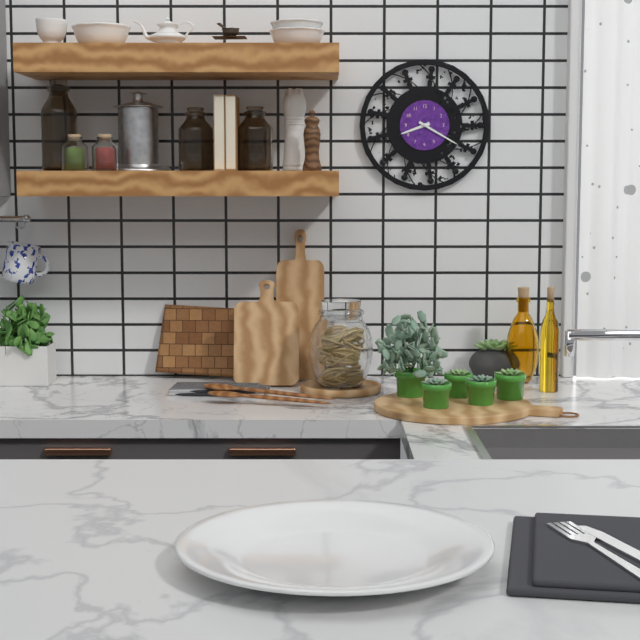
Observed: 8h20
